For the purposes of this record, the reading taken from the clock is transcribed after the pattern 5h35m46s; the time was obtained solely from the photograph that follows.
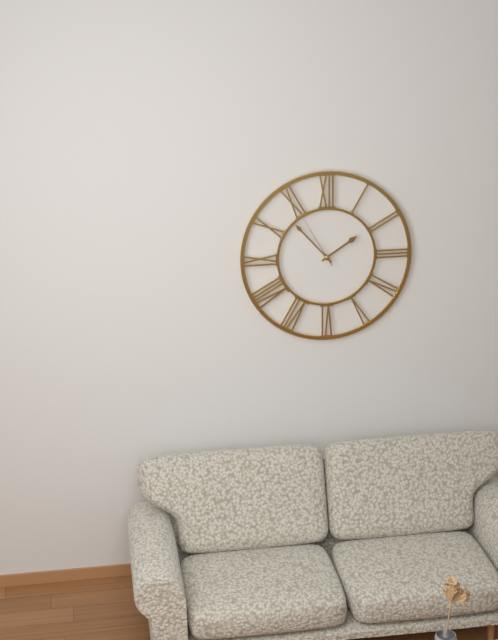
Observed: 1h53m55s
